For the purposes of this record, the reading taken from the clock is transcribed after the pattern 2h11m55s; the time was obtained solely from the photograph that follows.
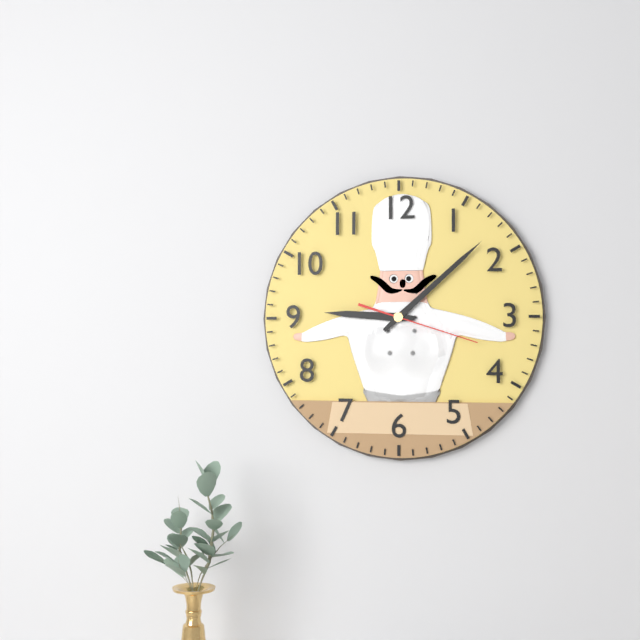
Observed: 9h08m18s
